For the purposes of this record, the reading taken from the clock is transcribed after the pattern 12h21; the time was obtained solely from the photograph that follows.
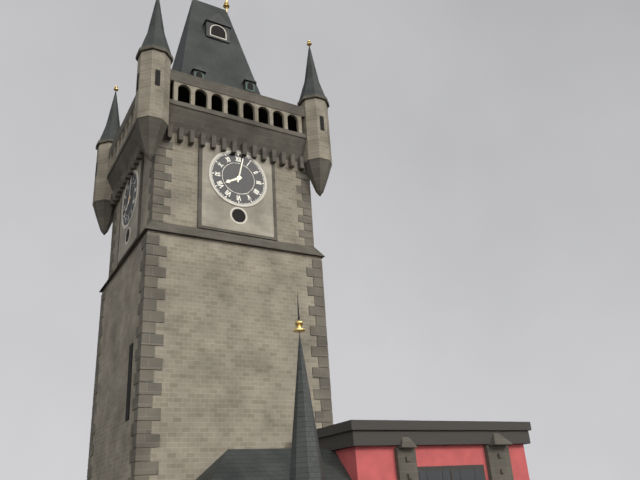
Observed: 8h02
